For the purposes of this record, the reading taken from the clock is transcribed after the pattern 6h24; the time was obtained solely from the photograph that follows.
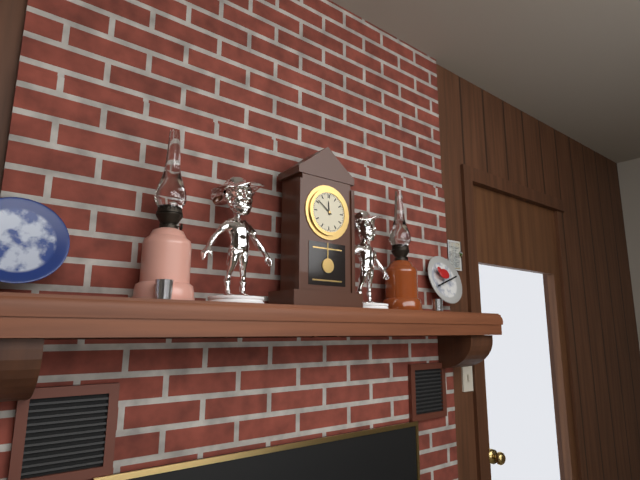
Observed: 11h51
